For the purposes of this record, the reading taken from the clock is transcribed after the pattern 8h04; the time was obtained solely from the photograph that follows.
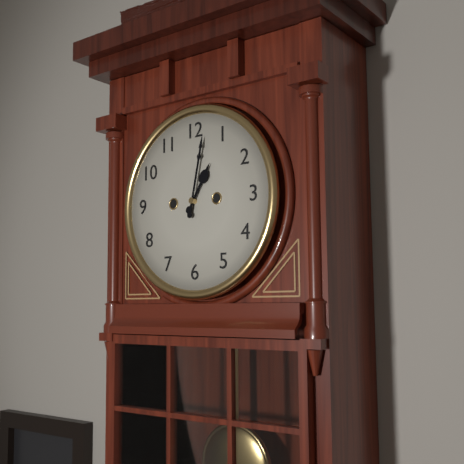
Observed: 1h02
